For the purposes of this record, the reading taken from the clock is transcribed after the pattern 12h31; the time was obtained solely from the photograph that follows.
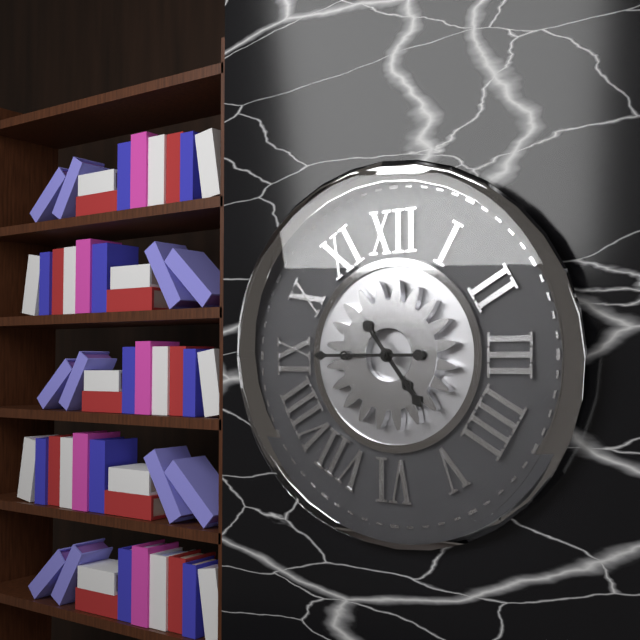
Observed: 4h45
